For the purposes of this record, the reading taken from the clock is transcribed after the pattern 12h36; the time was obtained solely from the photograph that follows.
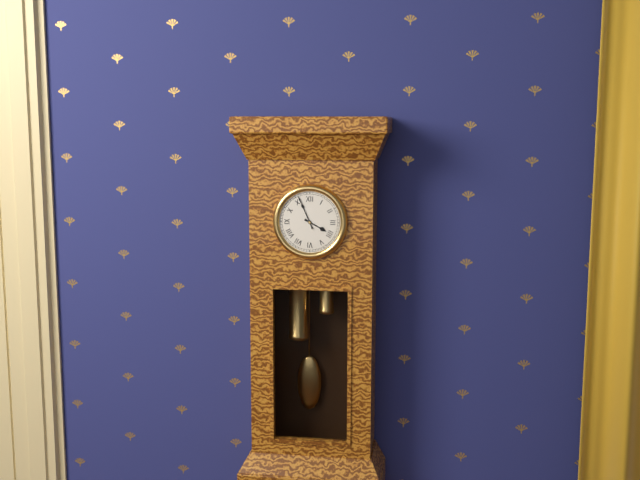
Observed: 3h56
